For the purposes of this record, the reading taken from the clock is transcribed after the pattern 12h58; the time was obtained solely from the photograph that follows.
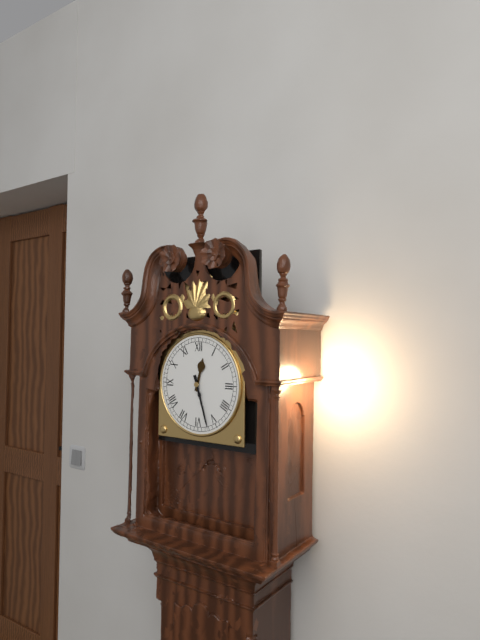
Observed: 12h27
